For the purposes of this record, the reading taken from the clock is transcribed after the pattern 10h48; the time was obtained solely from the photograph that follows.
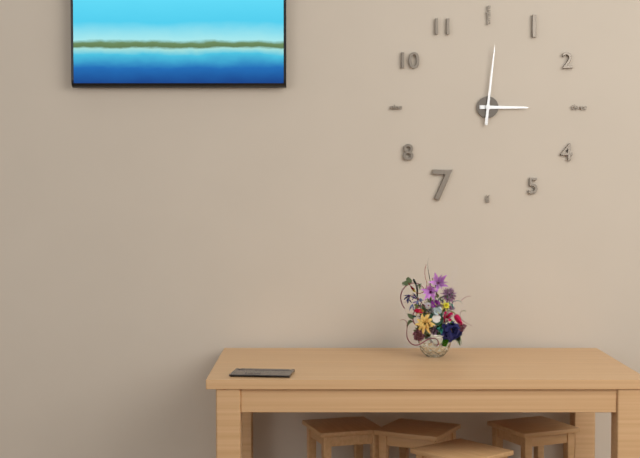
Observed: 3h01
